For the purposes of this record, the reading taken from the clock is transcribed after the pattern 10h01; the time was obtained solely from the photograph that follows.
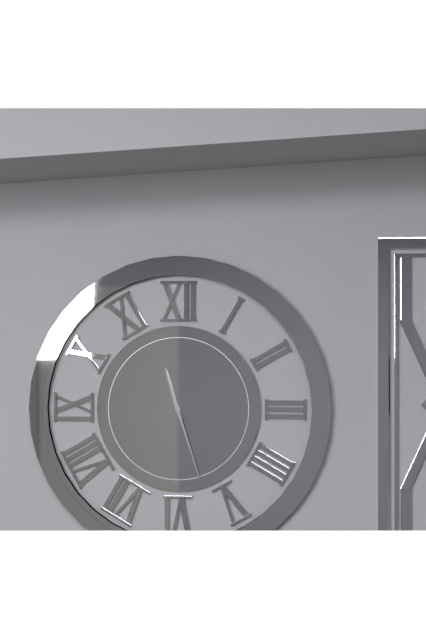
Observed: 11h27
